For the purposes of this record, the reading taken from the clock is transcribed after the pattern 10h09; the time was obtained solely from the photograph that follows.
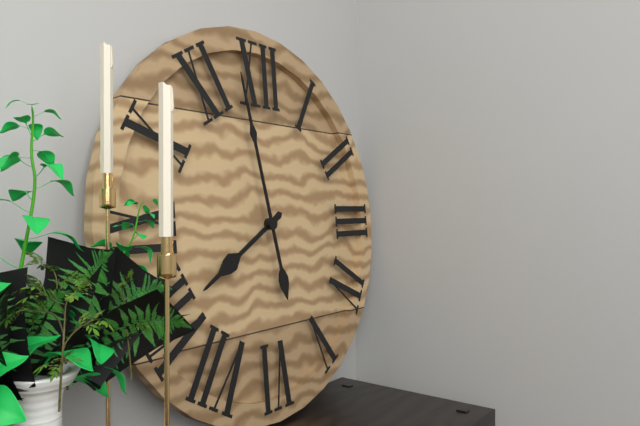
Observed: 7h58
